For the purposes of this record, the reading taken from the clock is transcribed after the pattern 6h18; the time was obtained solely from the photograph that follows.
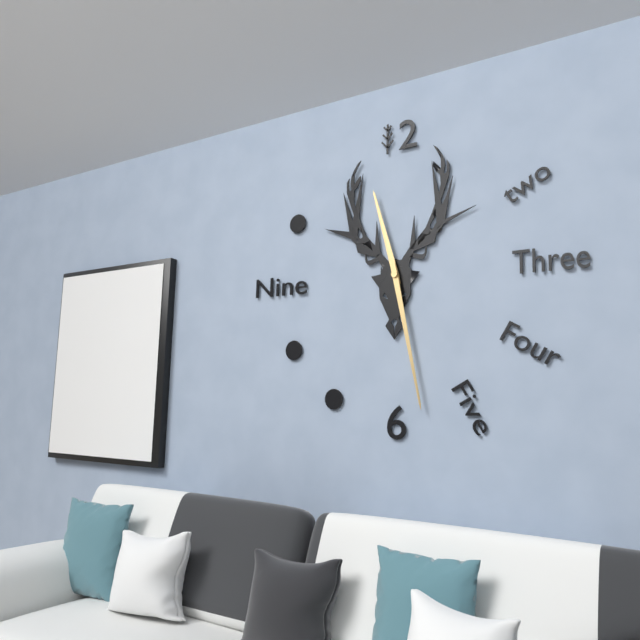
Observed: 11h28
